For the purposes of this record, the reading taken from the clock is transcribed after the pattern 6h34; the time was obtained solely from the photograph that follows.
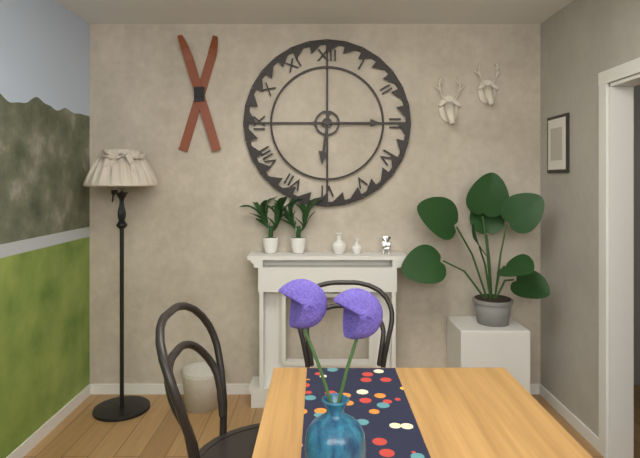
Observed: 6h15
